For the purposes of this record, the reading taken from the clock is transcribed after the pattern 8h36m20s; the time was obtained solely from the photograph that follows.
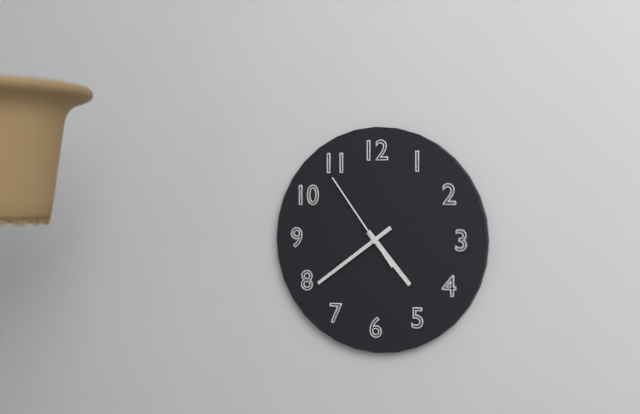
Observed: 4h39m54s
